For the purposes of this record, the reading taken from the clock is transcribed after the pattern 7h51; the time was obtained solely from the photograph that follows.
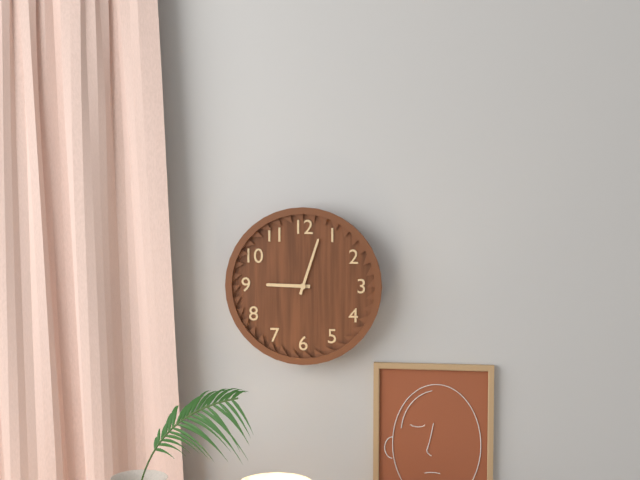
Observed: 9h03
